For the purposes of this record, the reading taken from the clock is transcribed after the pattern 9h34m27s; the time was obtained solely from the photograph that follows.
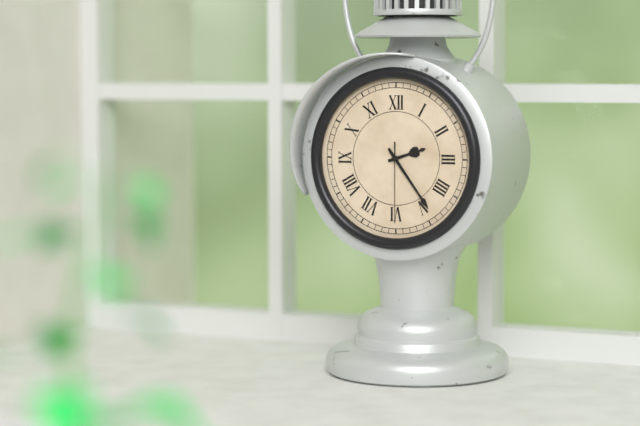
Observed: 2h24m30s
